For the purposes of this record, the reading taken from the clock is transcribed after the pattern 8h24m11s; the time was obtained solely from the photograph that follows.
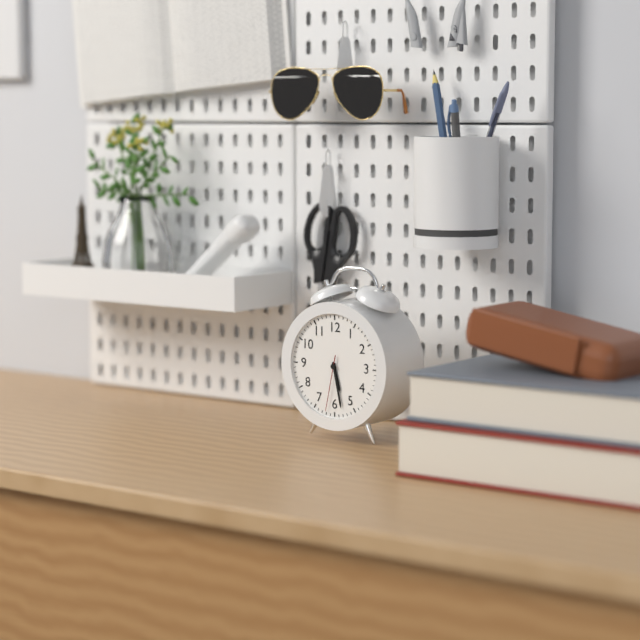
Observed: 5h28m32s
